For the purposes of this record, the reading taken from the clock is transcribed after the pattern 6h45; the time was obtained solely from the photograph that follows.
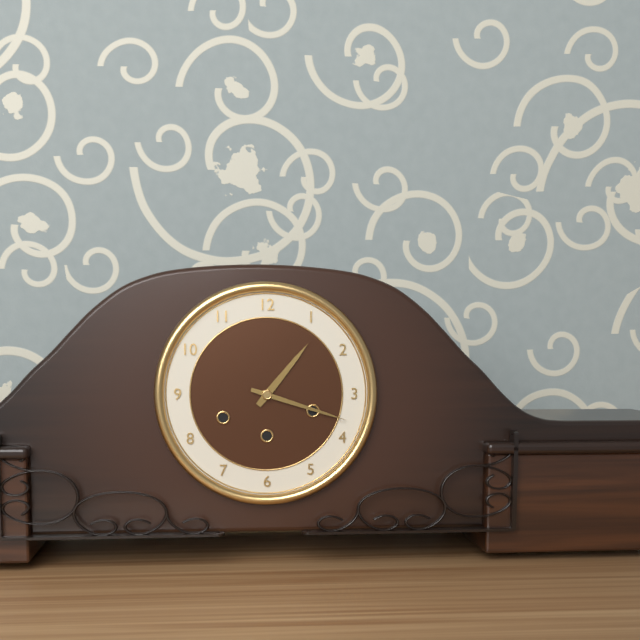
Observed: 1h18
